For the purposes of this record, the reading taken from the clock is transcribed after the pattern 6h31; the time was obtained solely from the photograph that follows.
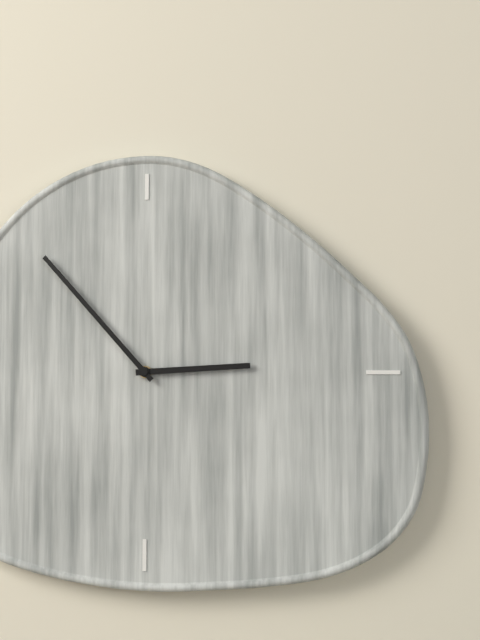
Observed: 2h53
